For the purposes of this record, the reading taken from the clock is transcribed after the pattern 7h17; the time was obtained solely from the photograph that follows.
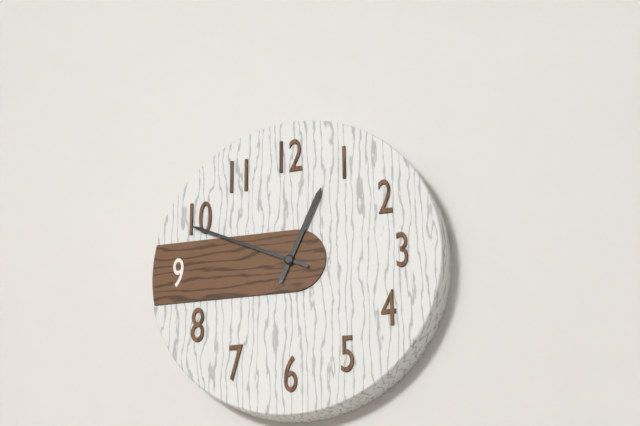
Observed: 12h49
